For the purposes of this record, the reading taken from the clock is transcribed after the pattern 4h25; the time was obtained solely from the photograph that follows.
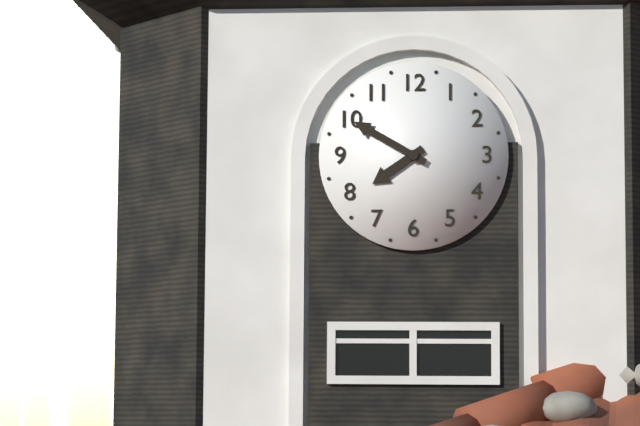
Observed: 7h50
